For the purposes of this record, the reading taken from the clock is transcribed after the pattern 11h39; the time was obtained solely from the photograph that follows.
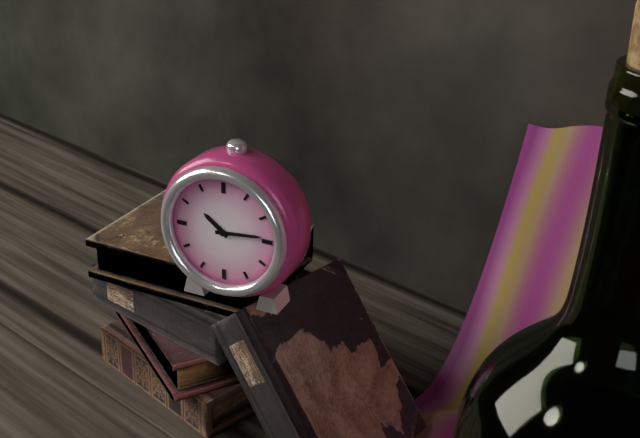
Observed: 10h14
